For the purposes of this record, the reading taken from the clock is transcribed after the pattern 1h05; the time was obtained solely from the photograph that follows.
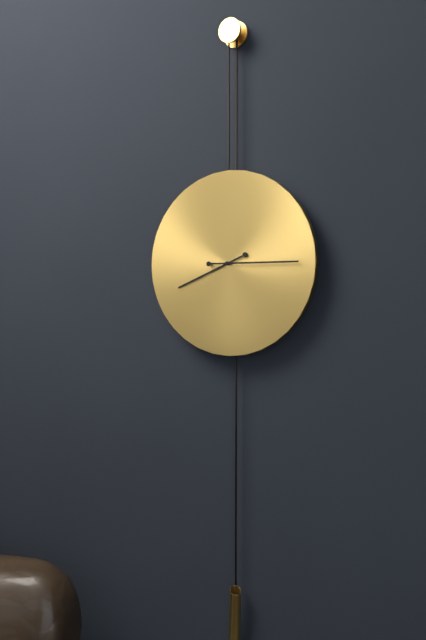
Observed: 8h15
